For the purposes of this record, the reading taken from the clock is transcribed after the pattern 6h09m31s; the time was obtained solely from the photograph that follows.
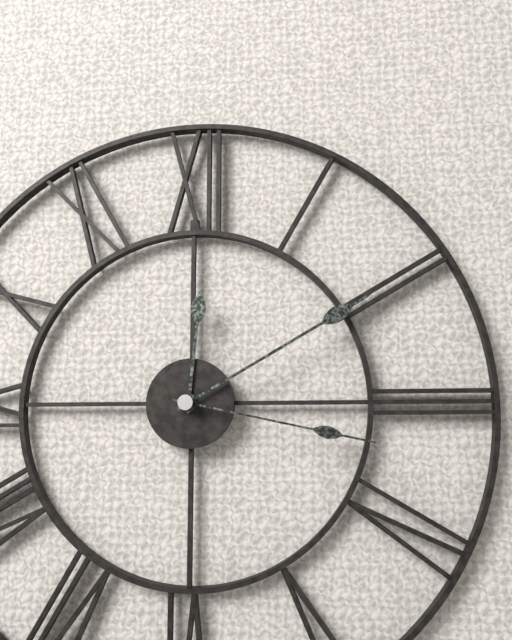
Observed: 12h10m17s
